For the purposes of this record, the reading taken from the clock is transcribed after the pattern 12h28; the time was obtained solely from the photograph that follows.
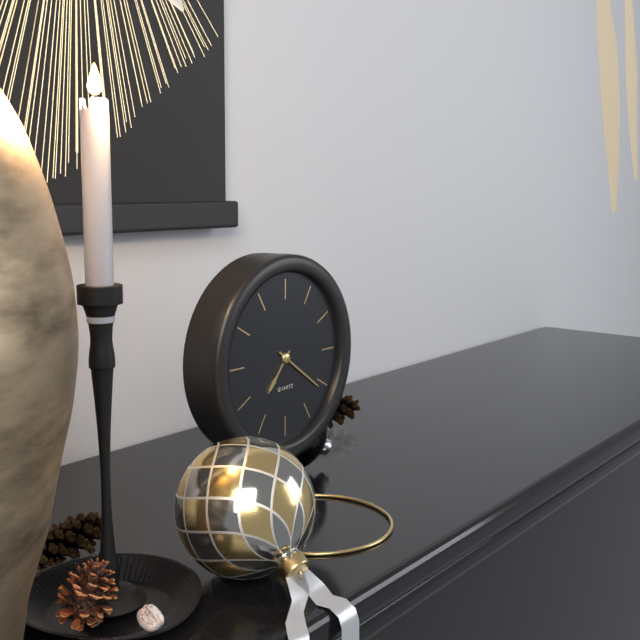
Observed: 7h21
